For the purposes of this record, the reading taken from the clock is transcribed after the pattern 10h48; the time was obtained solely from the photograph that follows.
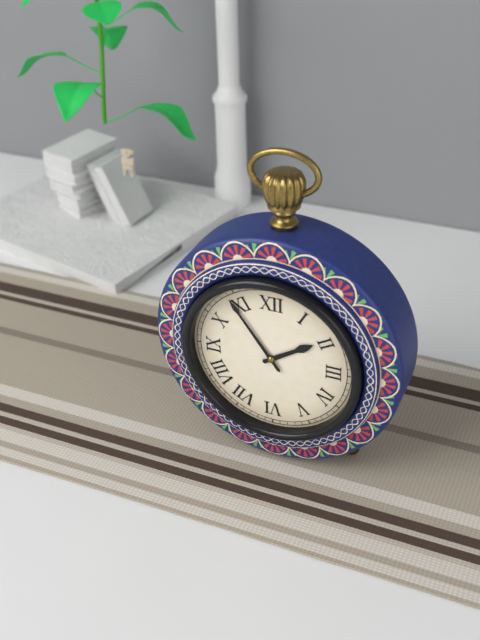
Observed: 1h54
